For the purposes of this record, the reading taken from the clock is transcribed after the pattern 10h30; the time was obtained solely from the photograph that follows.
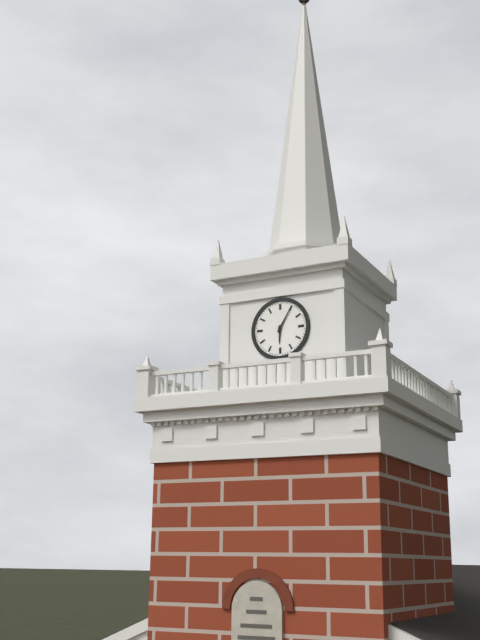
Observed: 6h05
